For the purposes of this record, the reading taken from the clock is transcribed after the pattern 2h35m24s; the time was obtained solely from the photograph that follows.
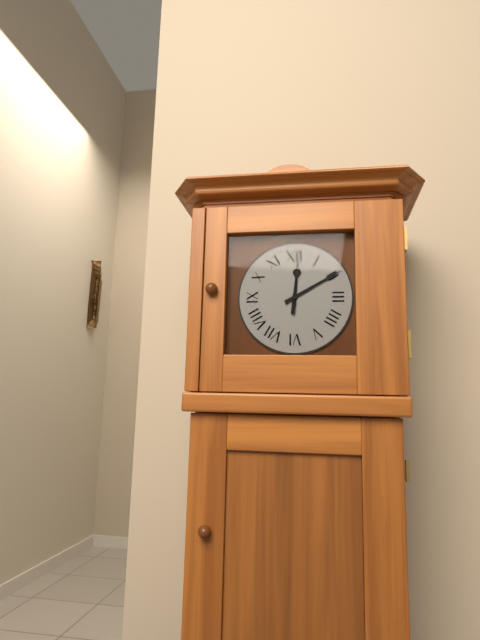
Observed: 12h10m01s
